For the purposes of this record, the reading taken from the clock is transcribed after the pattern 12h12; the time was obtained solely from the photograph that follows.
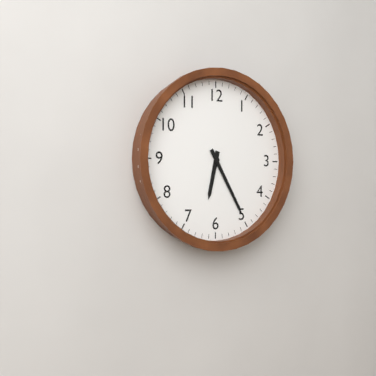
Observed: 6h25
